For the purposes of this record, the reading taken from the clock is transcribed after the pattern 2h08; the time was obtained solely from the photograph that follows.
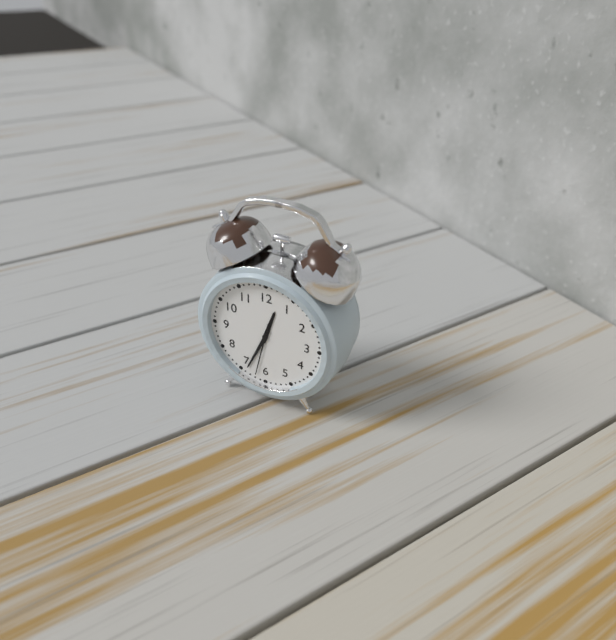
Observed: 12h34
